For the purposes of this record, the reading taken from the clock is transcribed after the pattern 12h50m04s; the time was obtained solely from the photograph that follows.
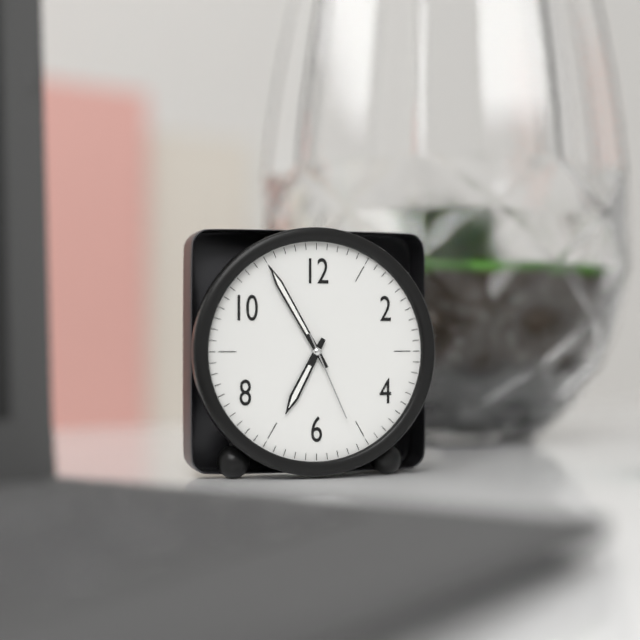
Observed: 6h55m26s
